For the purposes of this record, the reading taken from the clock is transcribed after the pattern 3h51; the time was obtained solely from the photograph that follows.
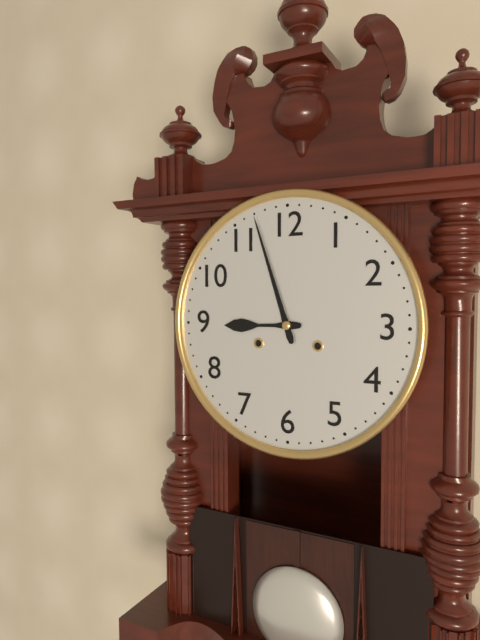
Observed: 8h57
